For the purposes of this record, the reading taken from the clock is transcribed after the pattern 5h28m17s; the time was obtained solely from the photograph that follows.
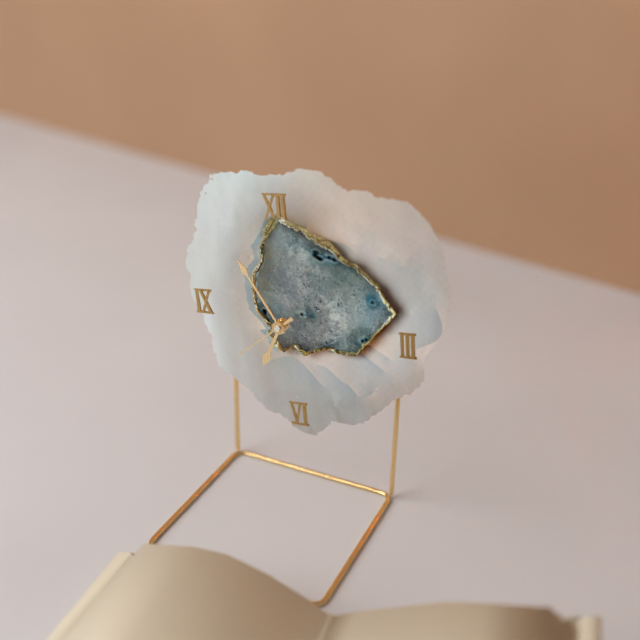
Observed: 6h55m39s
